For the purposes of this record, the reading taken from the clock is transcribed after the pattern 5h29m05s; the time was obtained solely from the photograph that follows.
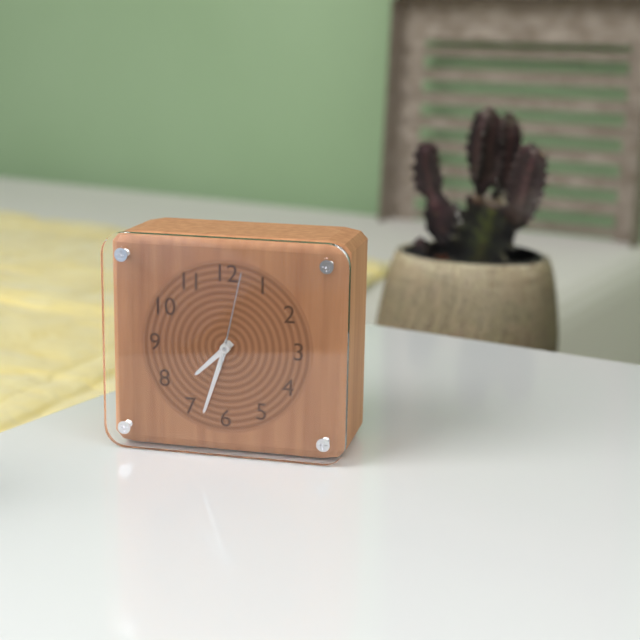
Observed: 7h33m02s
